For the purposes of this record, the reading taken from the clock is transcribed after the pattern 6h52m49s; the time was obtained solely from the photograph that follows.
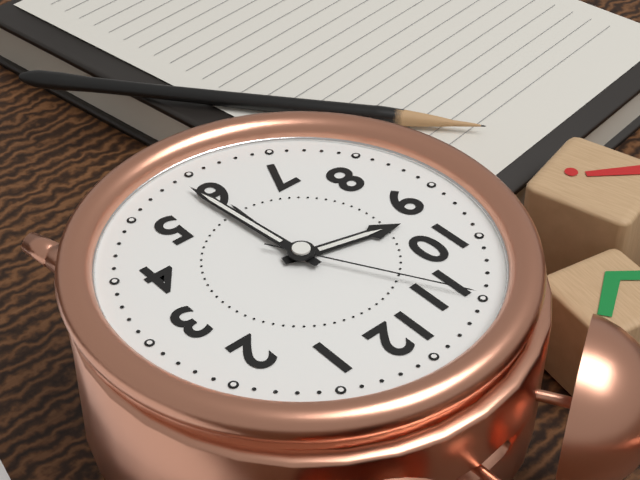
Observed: 9h29m55s
